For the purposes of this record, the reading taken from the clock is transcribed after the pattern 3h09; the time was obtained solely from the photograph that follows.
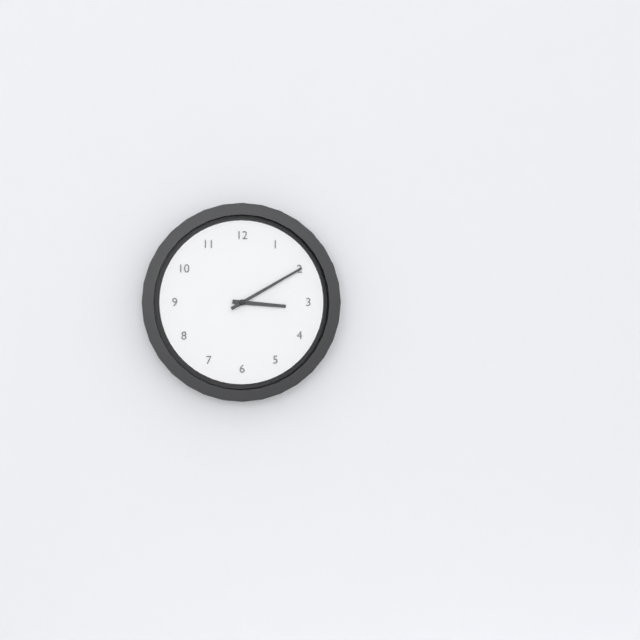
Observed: 3h10
